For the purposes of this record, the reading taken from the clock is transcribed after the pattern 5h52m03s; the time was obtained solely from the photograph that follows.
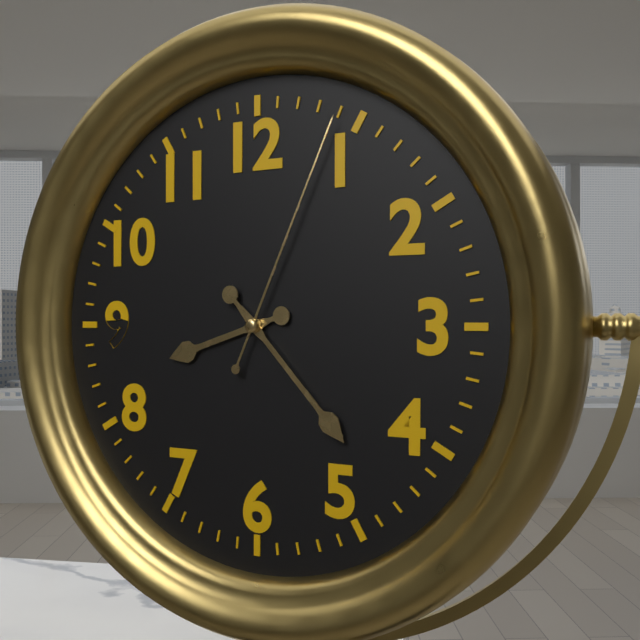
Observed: 8h23m04s
